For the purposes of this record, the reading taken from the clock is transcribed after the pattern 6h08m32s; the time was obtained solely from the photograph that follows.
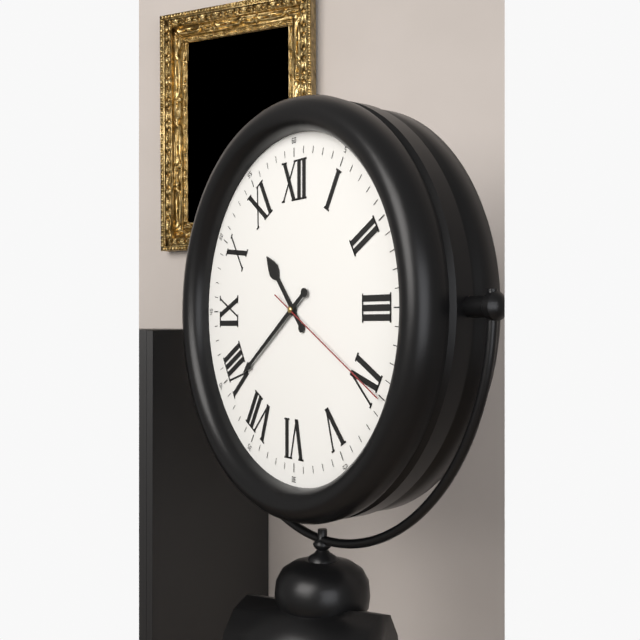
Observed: 10h39m20s
